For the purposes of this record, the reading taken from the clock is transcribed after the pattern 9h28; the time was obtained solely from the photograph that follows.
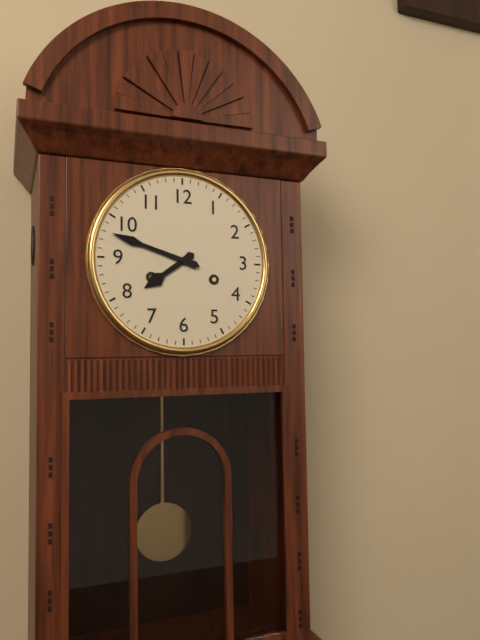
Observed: 7h48
